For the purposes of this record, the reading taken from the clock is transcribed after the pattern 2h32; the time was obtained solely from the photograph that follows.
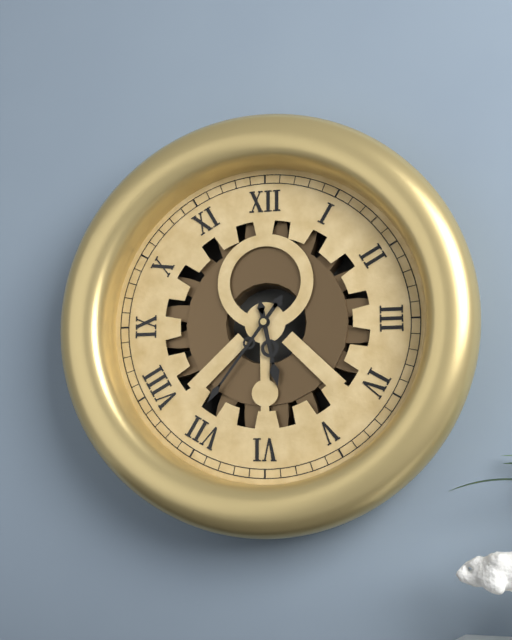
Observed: 5h36
